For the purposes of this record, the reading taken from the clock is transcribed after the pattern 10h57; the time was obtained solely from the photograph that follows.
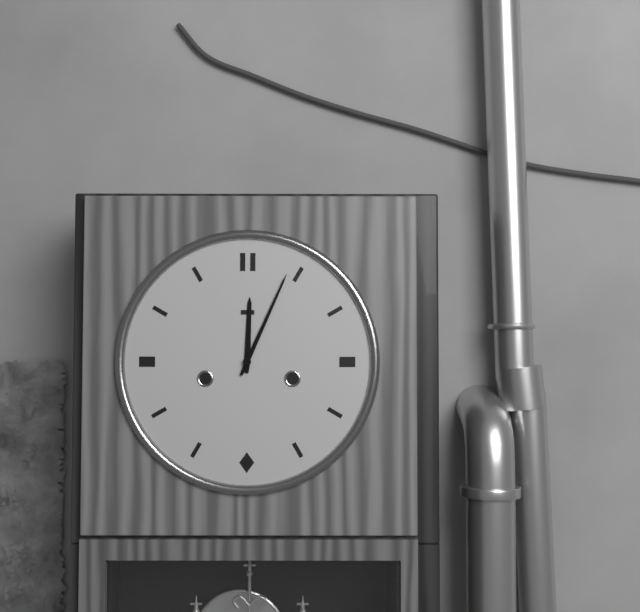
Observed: 12h04
